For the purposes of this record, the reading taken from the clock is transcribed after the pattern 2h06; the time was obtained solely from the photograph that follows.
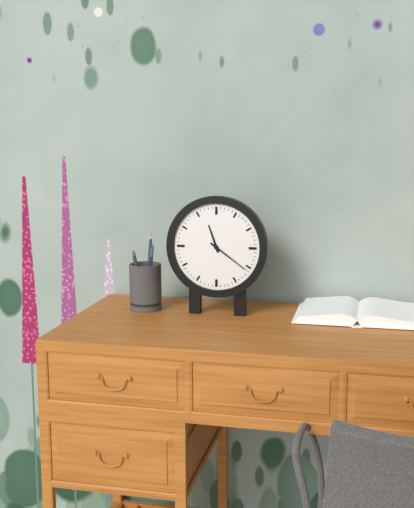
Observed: 11h21
